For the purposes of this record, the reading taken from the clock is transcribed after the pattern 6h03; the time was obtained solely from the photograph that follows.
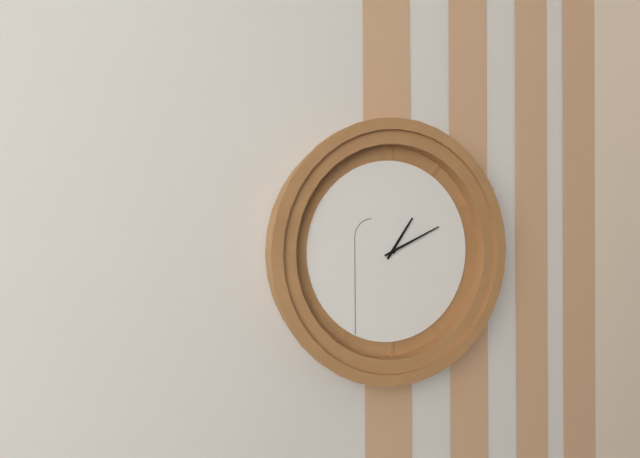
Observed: 1h11
